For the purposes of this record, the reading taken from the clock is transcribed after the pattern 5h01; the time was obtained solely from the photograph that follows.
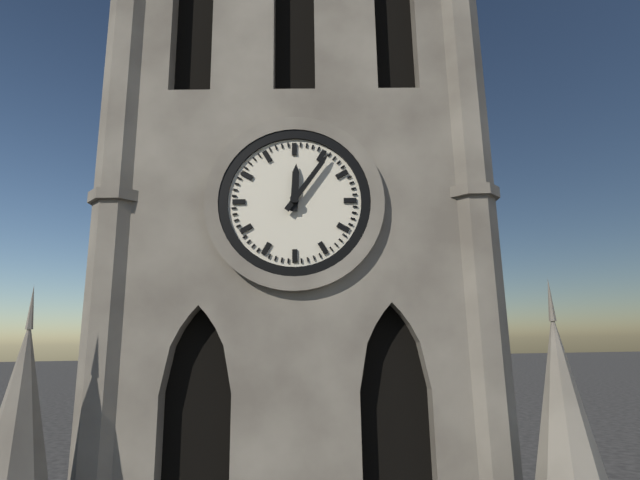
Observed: 12h06
